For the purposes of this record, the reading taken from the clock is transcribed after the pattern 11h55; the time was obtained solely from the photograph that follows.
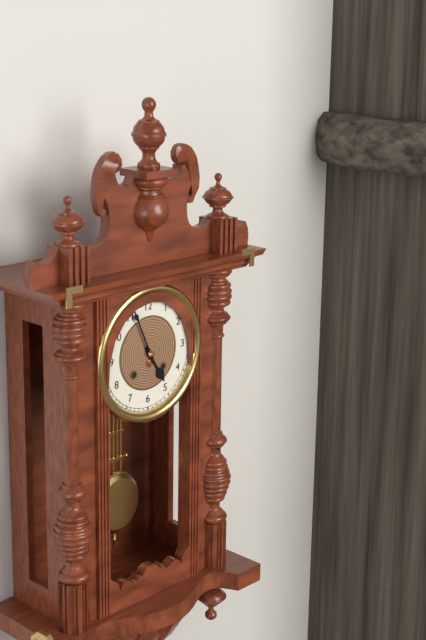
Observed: 4h56
